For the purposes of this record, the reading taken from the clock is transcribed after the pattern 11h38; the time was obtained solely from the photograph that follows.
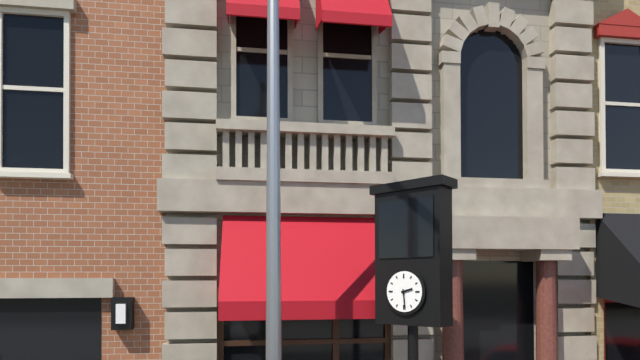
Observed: 2h29
